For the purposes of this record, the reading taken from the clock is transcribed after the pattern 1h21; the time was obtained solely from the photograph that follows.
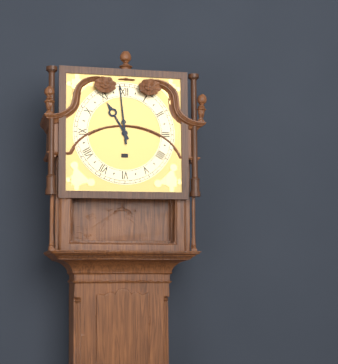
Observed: 10h59
